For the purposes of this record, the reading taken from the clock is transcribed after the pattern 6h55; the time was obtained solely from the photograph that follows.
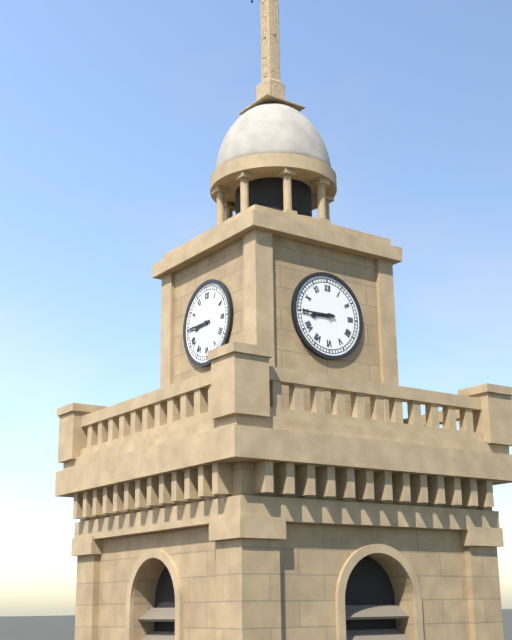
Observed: 8h45
